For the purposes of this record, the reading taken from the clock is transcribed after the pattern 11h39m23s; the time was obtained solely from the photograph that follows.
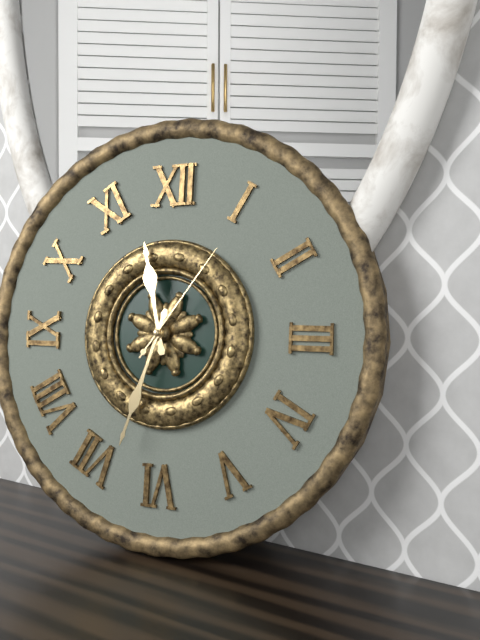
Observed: 11h33m06s
